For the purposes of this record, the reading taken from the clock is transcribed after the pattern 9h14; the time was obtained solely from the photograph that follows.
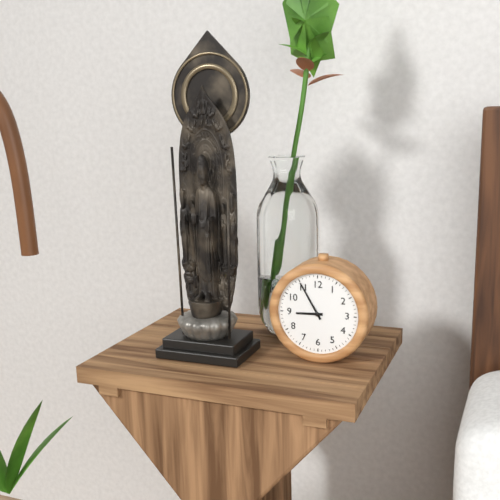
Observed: 8h55
